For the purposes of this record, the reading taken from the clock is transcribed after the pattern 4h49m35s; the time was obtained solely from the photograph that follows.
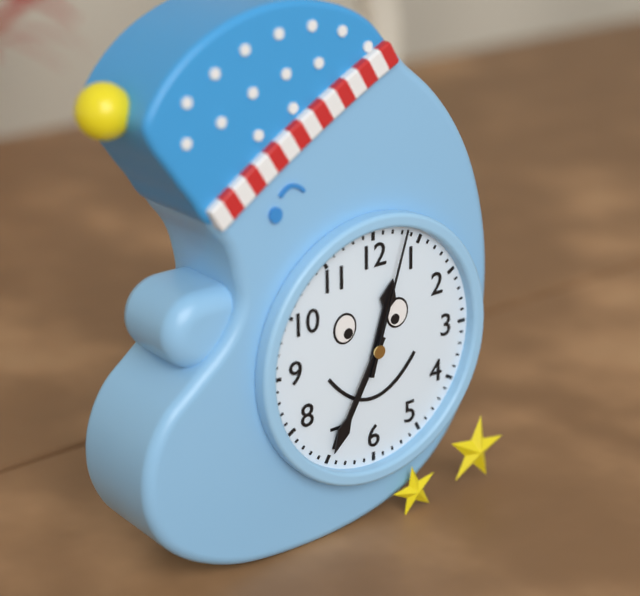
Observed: 12h35m03s
